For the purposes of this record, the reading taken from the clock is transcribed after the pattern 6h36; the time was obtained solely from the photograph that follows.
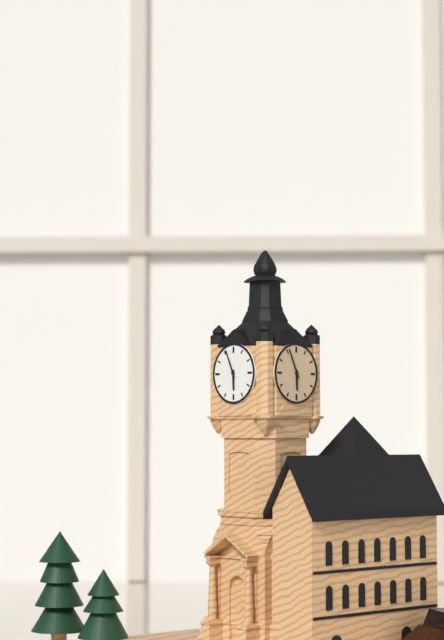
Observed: 5h56
